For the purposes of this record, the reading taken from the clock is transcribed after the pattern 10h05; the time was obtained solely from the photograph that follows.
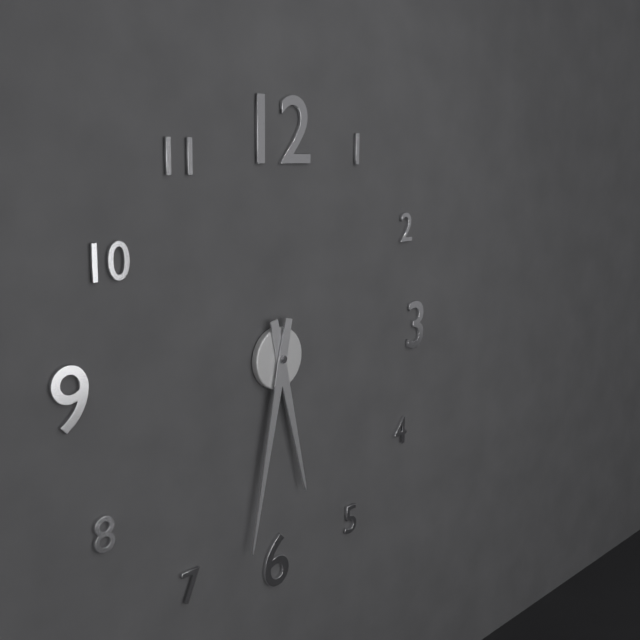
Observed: 5h32
